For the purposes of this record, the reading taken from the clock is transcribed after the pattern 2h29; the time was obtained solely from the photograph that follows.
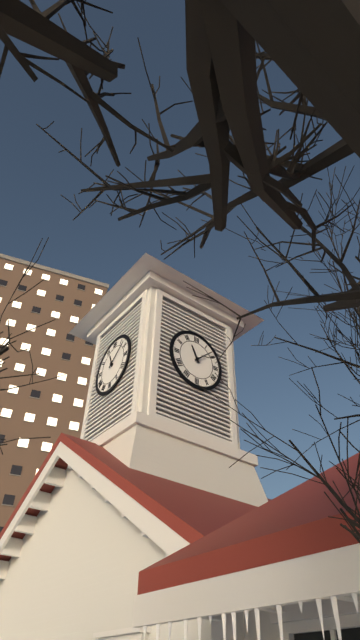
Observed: 11h08
